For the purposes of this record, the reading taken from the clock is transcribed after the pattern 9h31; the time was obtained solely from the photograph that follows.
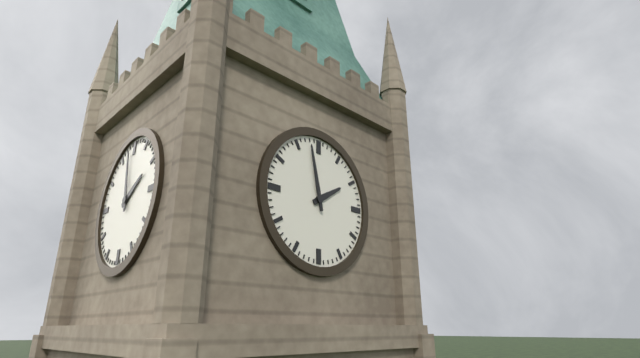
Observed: 1h58
